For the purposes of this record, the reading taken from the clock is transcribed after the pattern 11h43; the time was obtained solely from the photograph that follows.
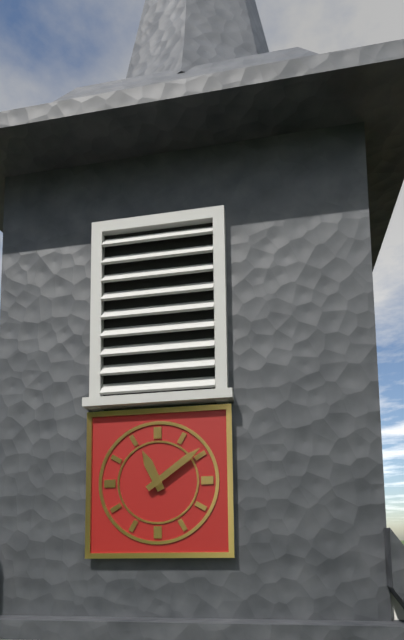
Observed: 11h09
